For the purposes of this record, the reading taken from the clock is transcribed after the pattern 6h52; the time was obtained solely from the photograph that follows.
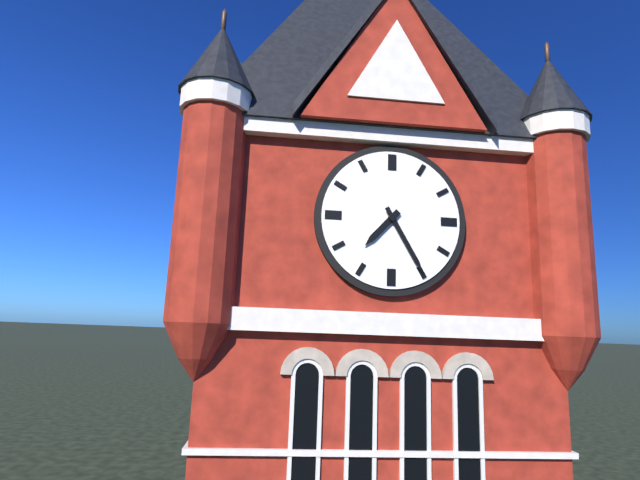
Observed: 7h25
